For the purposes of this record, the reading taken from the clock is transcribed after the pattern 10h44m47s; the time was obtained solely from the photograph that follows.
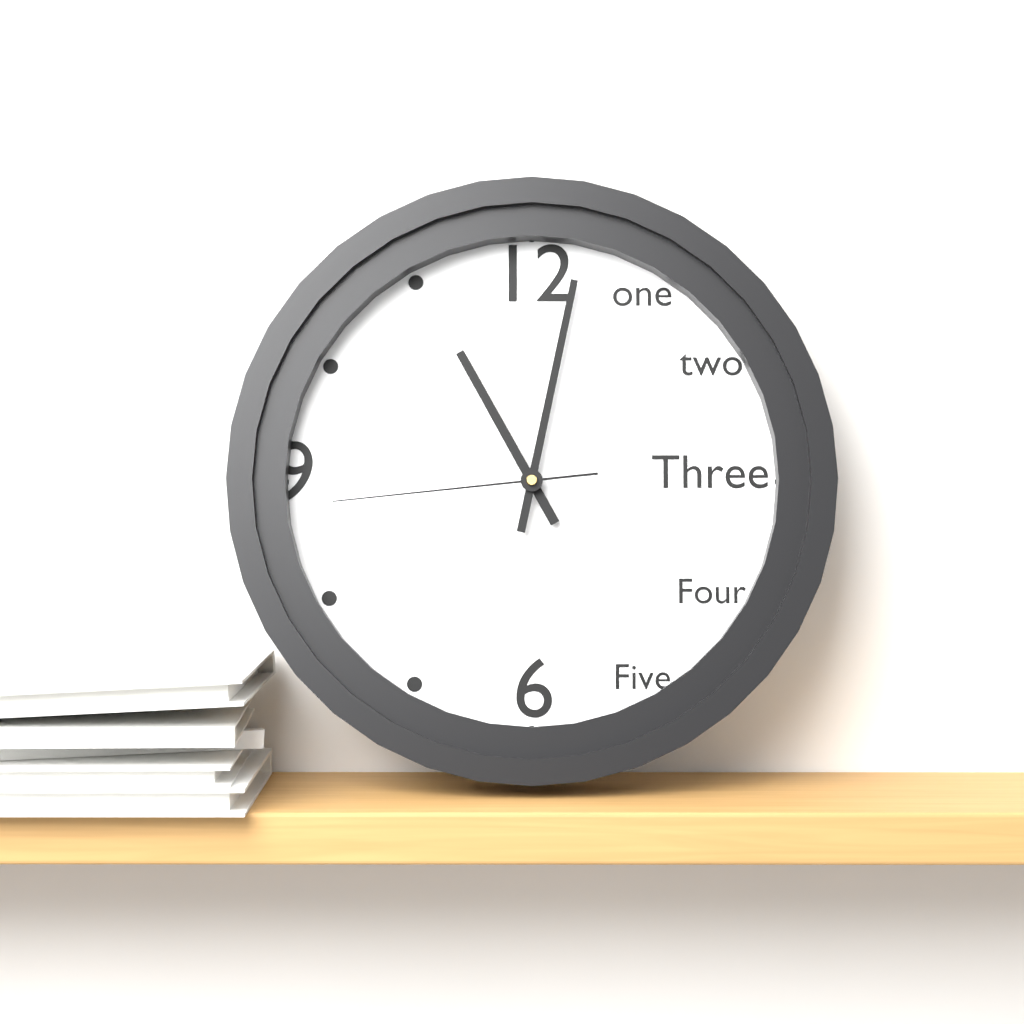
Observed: 11h02m44s
